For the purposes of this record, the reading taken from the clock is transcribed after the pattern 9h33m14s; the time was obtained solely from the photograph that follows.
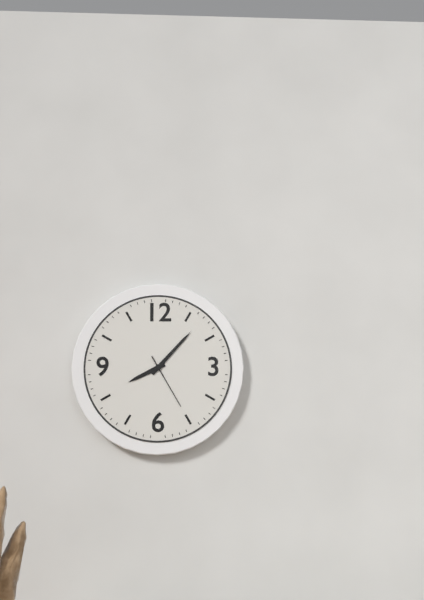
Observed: 8h07m25s
